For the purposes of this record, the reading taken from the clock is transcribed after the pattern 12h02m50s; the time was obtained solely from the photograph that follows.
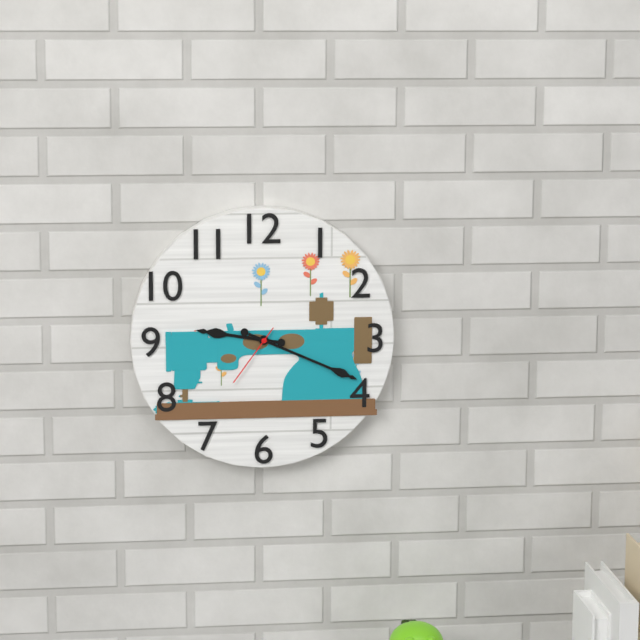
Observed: 9h19m36s
